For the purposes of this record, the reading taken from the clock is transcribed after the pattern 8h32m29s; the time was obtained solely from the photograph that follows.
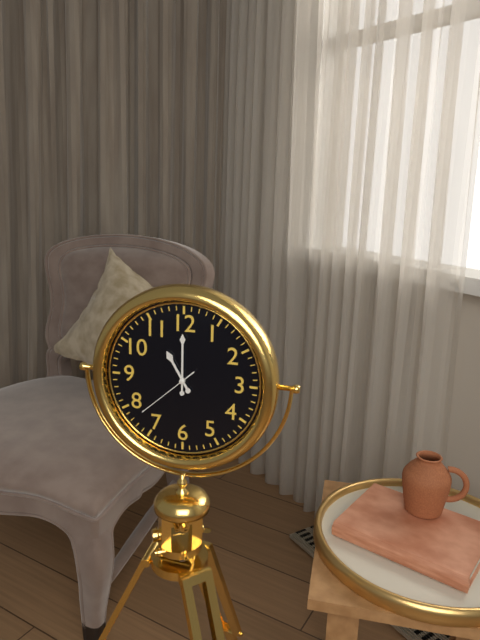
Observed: 11h00m38s
